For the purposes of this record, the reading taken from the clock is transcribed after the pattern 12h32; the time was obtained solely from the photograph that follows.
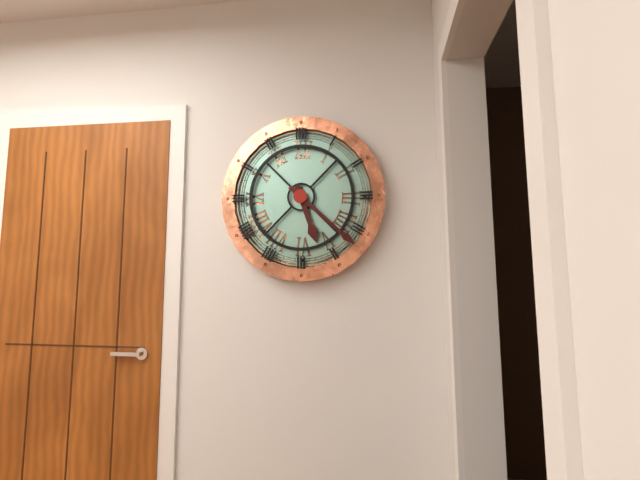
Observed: 5h22
